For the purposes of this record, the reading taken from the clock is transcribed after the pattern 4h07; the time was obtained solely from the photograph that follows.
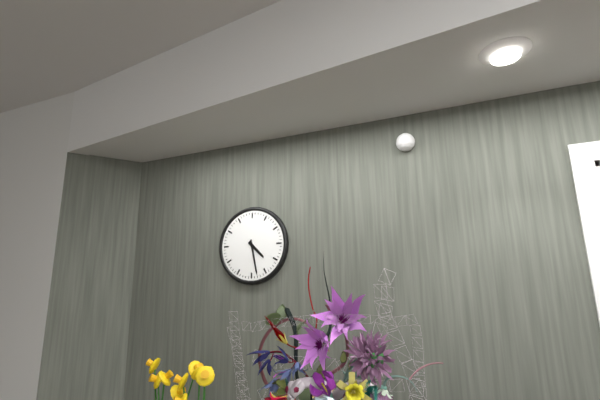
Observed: 4h28
